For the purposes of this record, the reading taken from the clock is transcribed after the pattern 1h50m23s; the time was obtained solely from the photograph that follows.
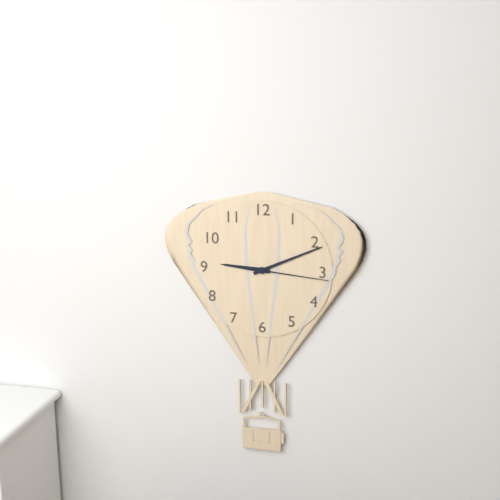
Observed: 9h11m16s
